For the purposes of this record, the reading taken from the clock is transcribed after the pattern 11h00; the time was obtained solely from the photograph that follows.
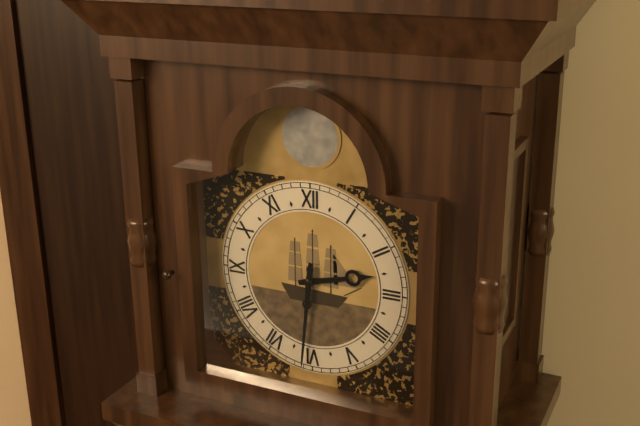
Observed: 2h31
